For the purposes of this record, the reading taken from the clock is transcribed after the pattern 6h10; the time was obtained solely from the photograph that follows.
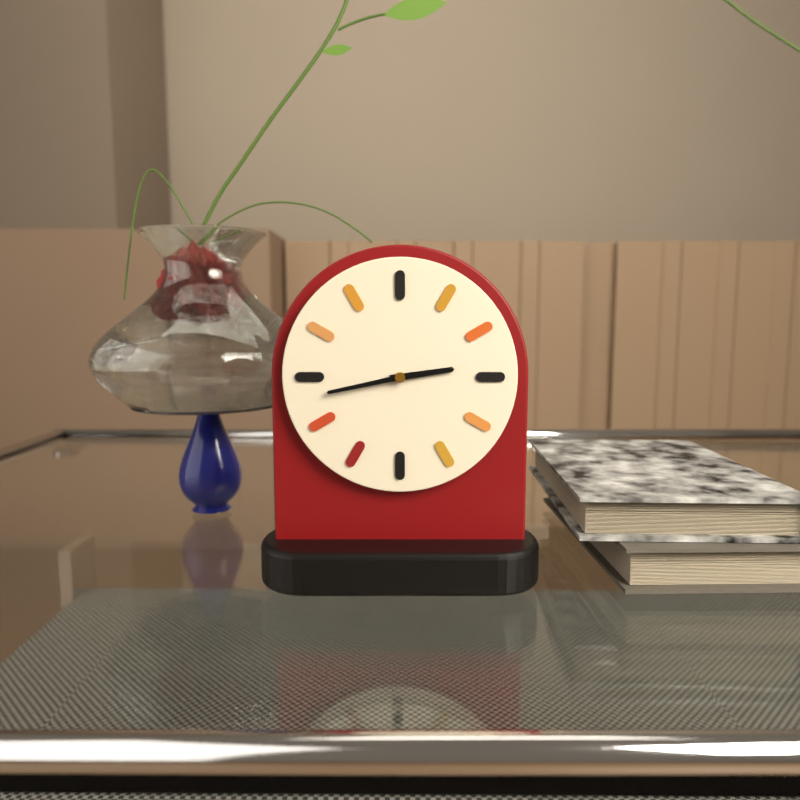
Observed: 2h43
